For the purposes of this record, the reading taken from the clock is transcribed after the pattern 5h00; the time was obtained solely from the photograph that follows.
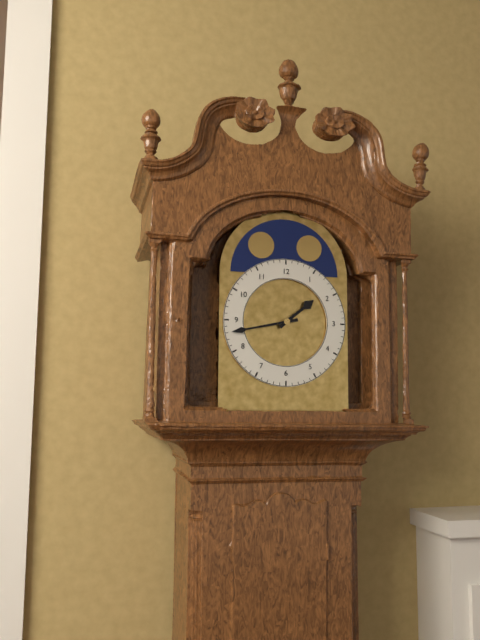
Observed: 1h43
